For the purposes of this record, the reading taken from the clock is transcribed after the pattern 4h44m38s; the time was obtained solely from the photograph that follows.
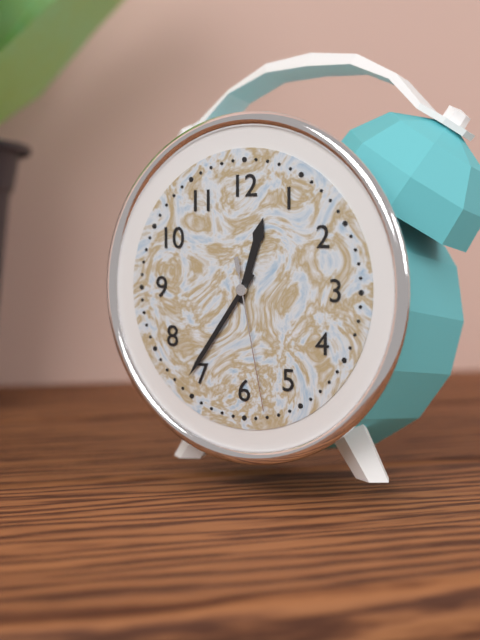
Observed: 12h36m28s
